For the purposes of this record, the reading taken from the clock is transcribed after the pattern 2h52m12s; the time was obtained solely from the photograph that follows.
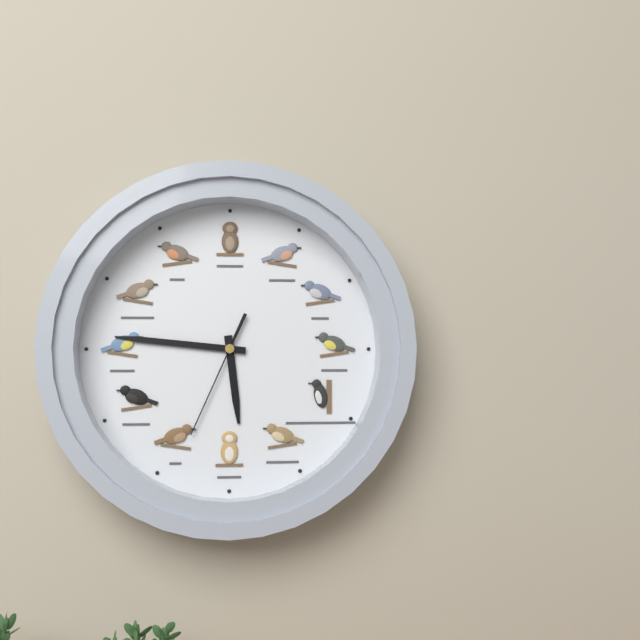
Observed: 5h46m34s
